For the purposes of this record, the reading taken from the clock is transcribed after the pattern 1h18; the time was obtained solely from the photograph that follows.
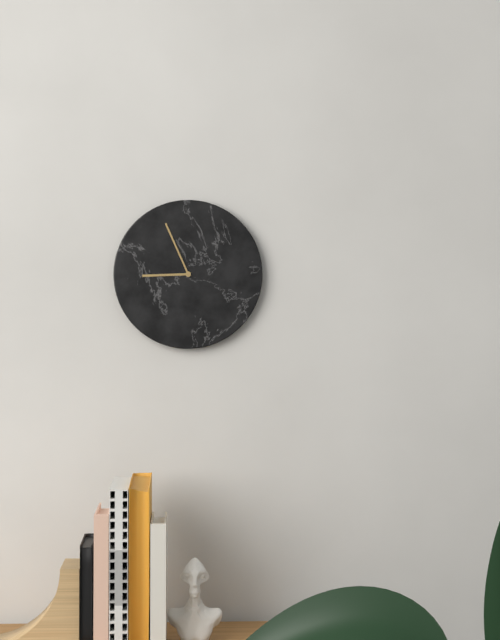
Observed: 8h56
